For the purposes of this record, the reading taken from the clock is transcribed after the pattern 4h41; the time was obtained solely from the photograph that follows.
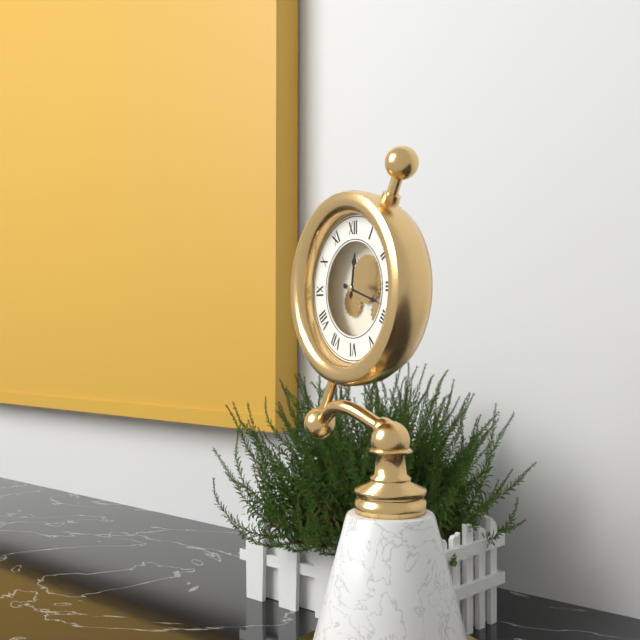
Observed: 12h18
